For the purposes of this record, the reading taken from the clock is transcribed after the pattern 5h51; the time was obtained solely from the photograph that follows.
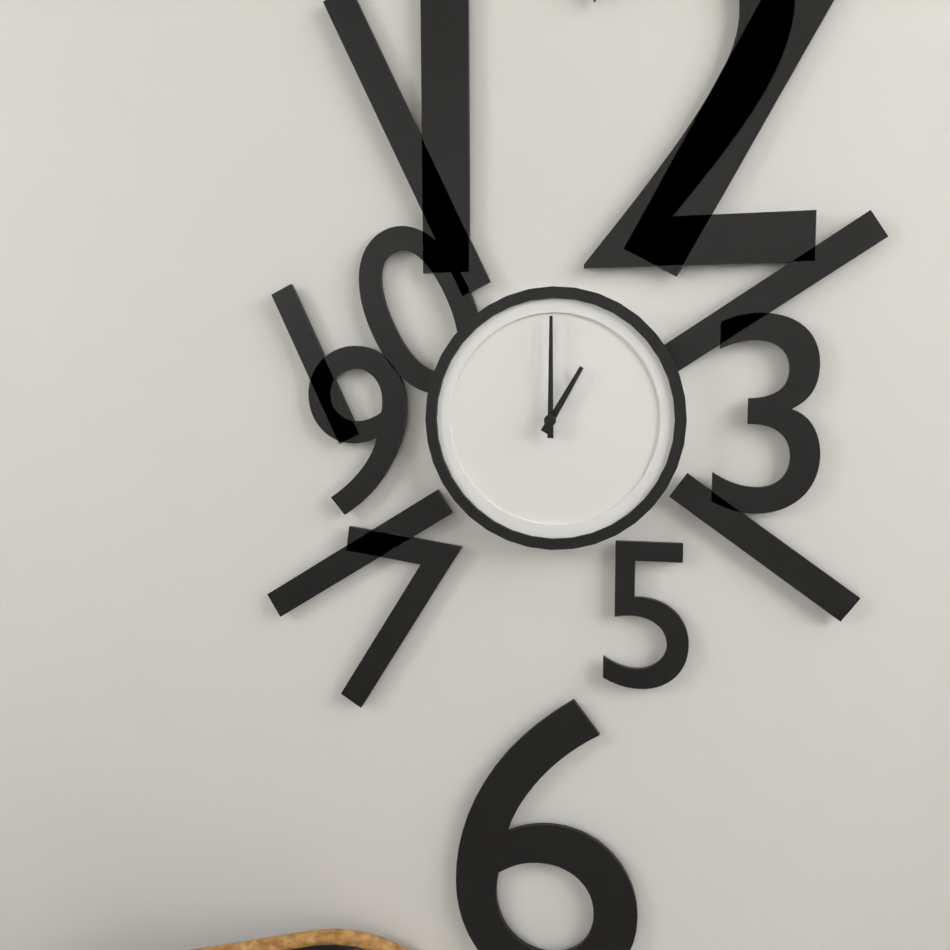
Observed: 1h00
